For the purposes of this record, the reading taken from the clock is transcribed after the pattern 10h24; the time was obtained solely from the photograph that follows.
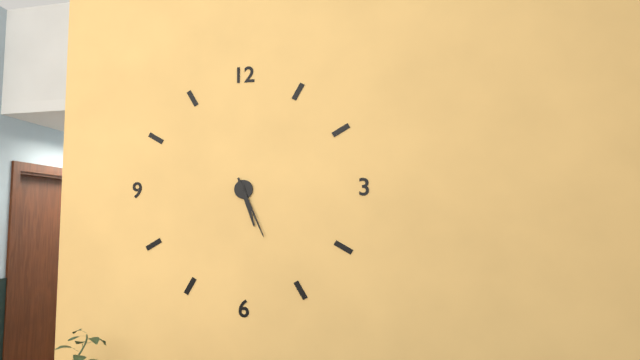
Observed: 5h26
